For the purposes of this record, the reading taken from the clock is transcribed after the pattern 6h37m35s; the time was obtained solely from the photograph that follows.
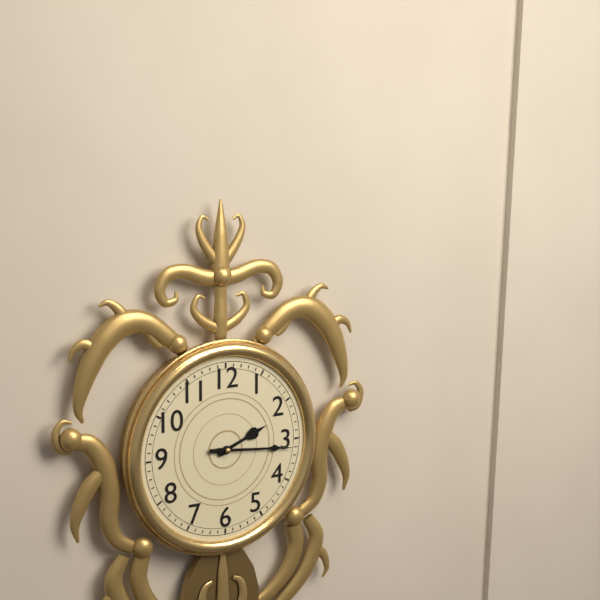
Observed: 2h16m16s
